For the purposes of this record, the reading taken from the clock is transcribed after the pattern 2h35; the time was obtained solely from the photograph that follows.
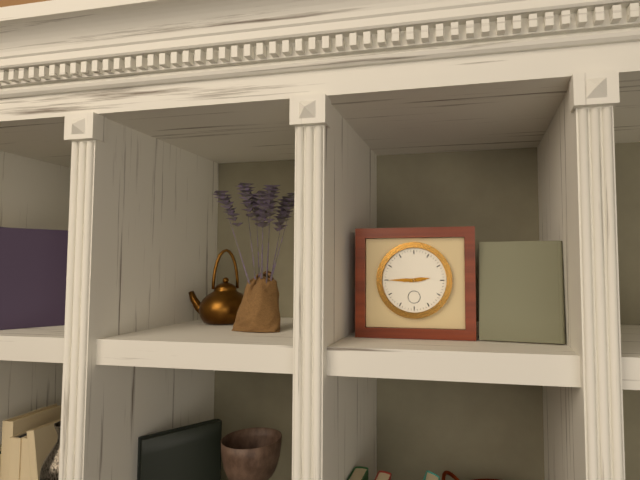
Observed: 2h45
